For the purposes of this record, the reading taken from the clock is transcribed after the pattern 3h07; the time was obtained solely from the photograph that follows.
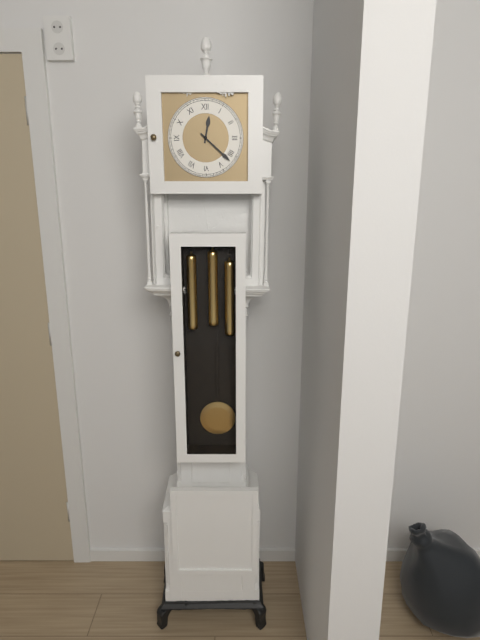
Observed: 12h22
